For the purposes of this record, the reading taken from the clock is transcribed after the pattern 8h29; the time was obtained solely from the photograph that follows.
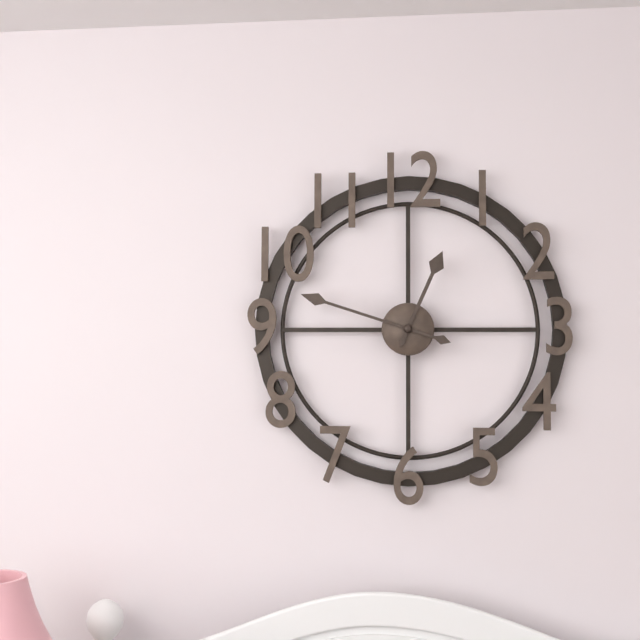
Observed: 12h48
